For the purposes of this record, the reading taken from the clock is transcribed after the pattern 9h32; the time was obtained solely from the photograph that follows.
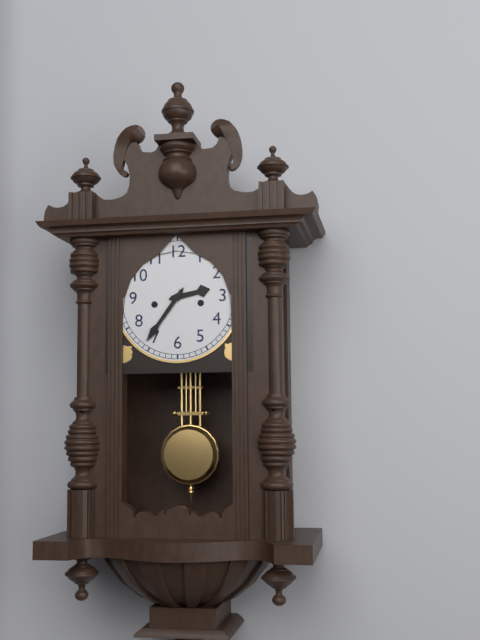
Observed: 2h36
